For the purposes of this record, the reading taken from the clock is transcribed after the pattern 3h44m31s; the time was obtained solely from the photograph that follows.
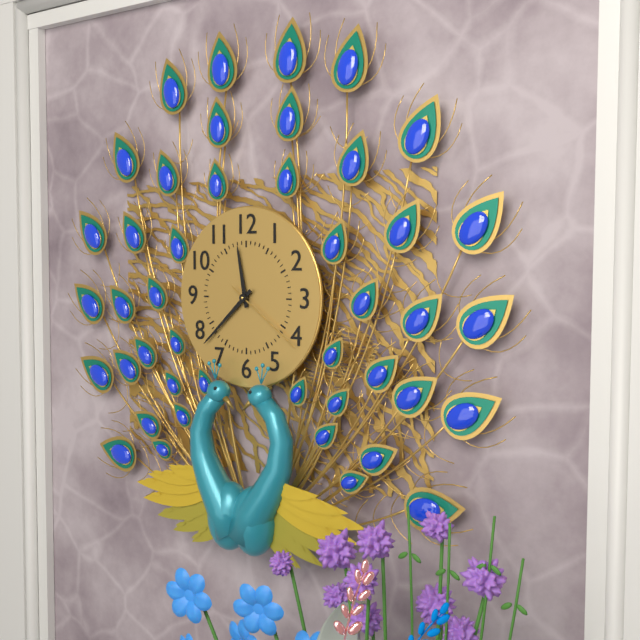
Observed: 11h38m21s
